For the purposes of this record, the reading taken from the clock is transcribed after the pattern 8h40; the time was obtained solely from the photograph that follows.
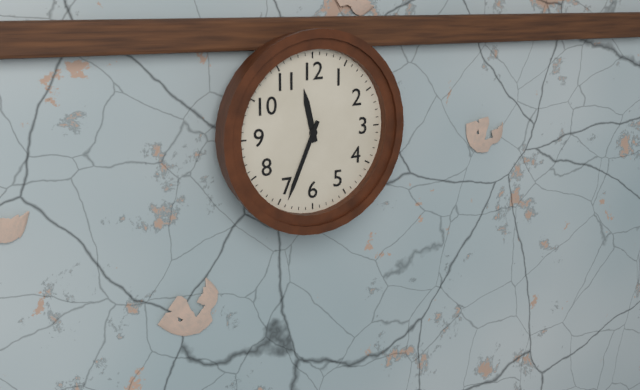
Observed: 11h34
